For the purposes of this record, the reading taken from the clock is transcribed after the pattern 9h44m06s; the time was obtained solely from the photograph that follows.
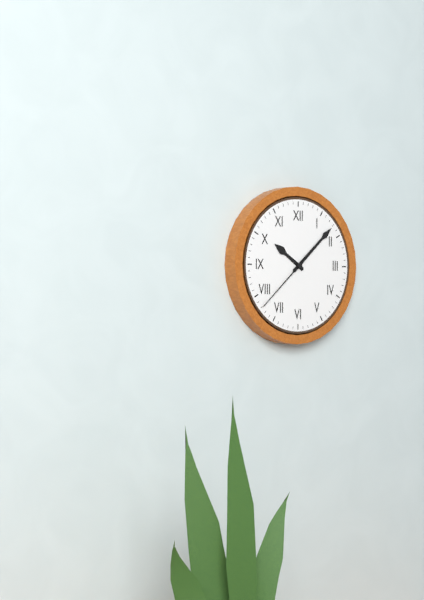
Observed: 10h08m38s
